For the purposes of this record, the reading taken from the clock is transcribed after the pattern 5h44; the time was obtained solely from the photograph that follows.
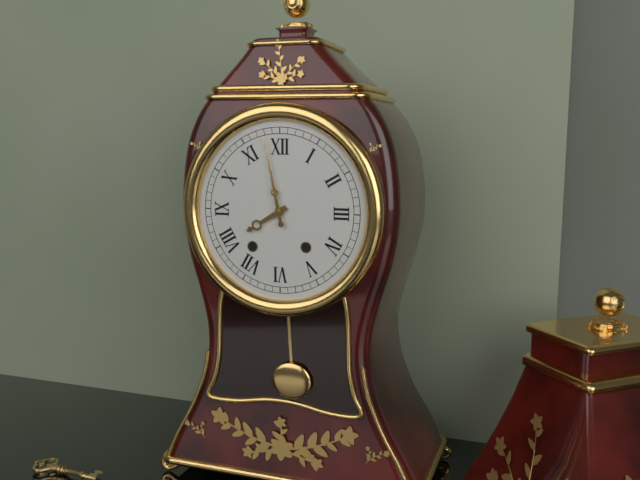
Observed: 7h58
